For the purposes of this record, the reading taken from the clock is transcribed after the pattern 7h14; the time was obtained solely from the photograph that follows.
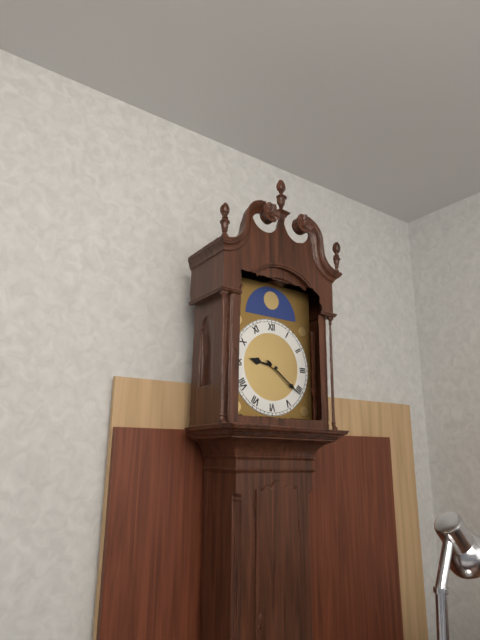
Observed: 9h21
